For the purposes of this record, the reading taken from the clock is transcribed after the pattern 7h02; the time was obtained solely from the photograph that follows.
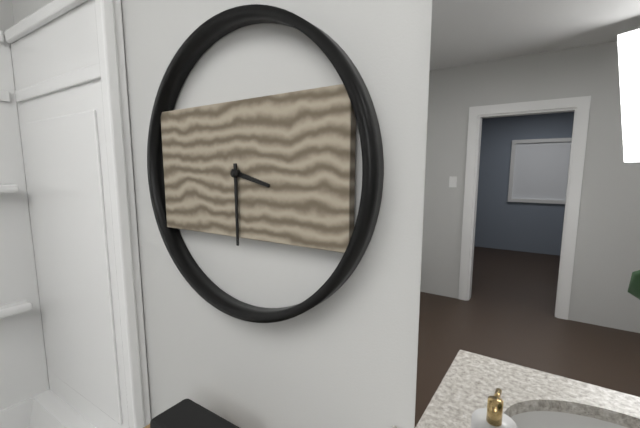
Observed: 3h30
